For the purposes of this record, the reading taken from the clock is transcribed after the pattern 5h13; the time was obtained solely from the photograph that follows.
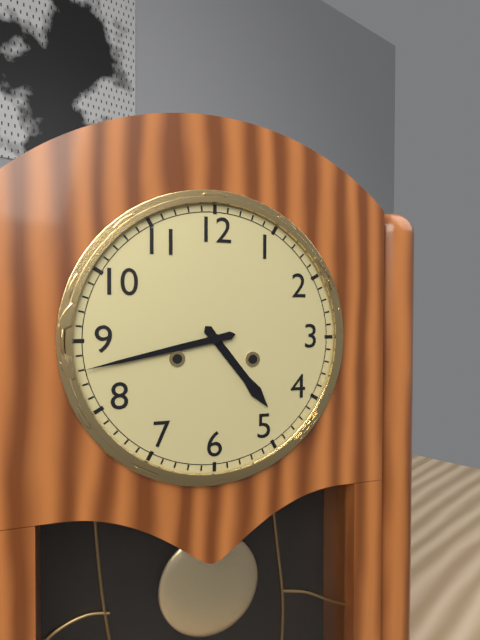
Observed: 4h43
